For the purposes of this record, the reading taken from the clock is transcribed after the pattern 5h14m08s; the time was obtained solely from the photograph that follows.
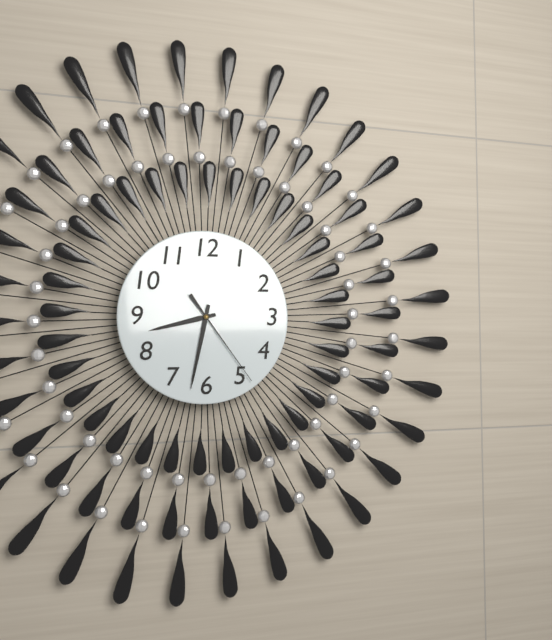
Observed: 8h32m24s
